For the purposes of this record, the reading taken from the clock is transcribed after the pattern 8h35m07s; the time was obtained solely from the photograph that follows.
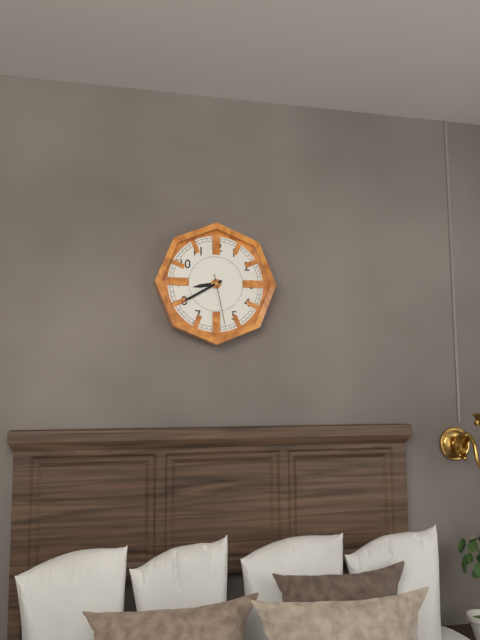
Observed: 8h40m28s
